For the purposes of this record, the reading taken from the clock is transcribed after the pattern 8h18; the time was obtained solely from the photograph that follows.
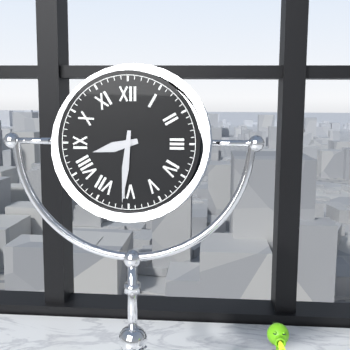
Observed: 8h31
